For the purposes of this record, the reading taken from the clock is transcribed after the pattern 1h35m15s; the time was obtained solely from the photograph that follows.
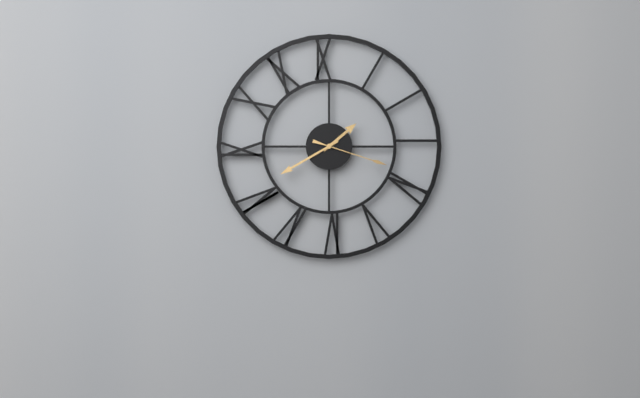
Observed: 1h40m18s
